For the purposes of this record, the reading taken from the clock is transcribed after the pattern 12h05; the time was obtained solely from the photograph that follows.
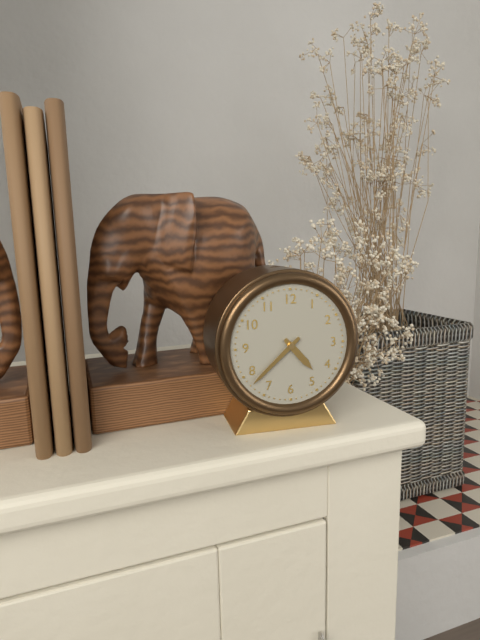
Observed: 4h38
